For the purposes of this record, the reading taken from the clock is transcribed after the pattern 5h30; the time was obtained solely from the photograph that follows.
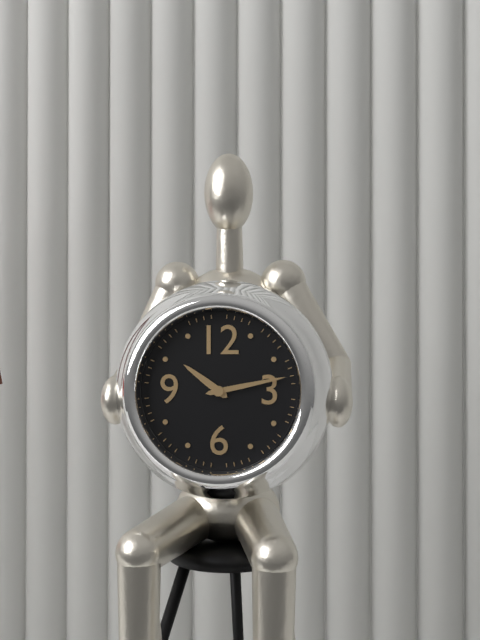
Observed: 10h13
